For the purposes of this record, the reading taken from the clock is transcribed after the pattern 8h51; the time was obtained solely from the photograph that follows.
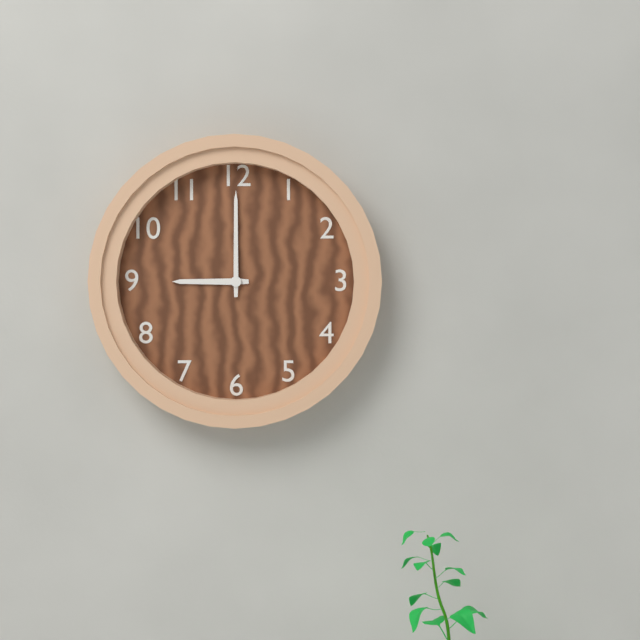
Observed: 9h00
